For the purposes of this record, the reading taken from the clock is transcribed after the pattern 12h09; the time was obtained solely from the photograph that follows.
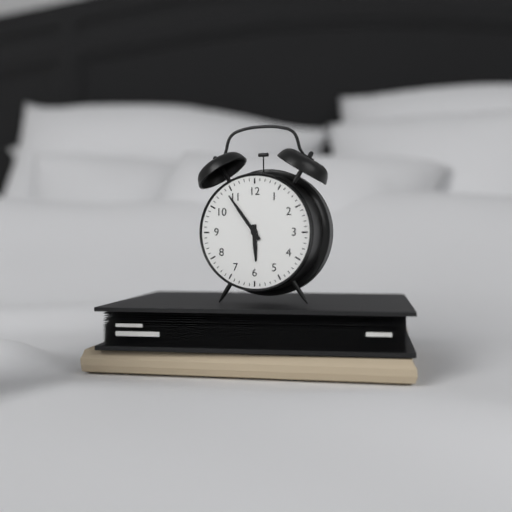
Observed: 5h54
